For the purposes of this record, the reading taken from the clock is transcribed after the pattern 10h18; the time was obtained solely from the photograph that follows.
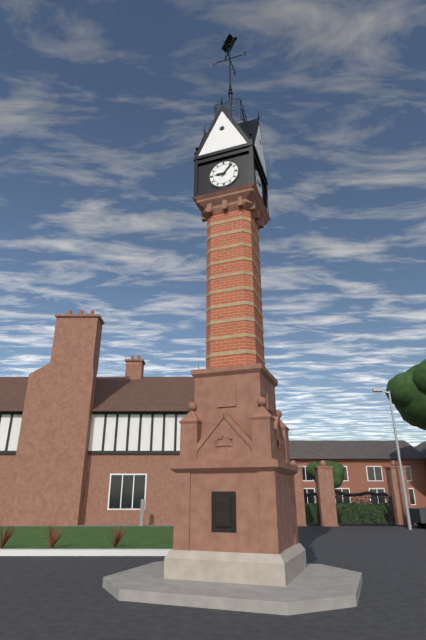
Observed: 9h07
